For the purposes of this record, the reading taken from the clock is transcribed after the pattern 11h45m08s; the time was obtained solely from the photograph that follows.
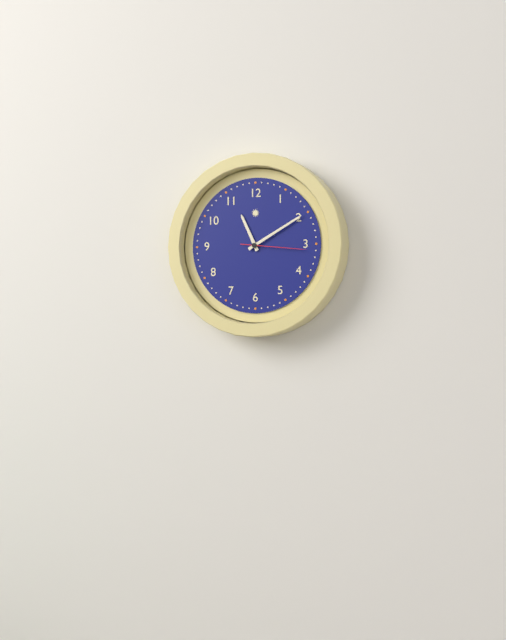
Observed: 11h10m16s
